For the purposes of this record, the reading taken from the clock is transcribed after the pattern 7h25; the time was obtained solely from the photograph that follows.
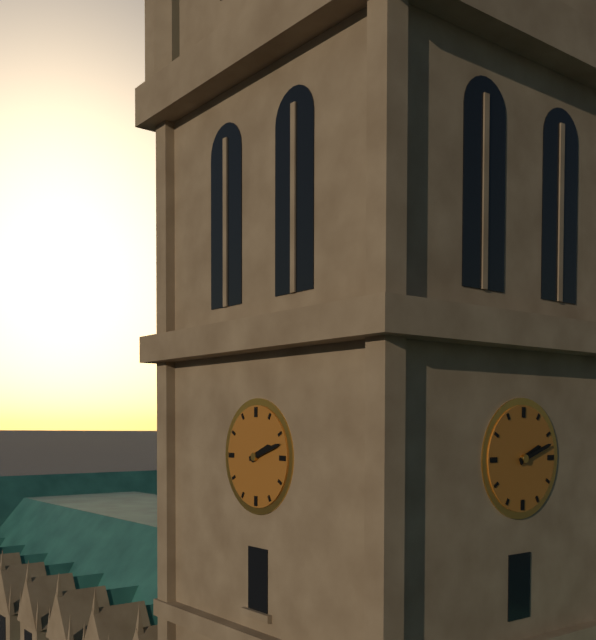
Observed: 2h12
